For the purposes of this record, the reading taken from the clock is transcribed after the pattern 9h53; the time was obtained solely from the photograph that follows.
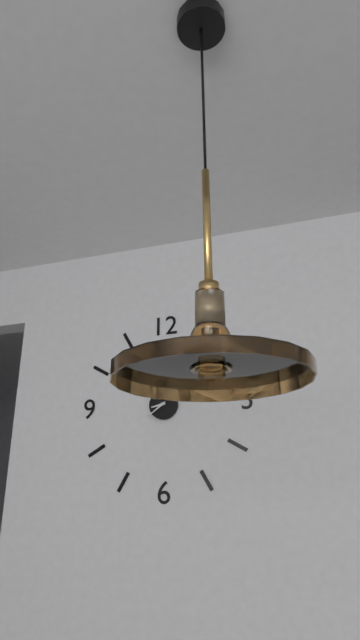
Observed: 8h39
